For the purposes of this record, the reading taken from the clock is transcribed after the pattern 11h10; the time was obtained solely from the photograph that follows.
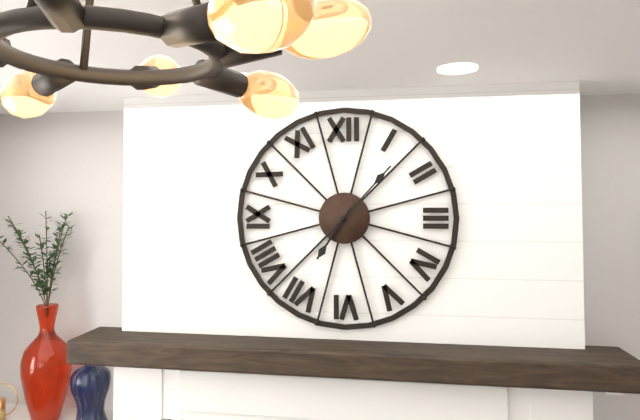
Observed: 7h07
